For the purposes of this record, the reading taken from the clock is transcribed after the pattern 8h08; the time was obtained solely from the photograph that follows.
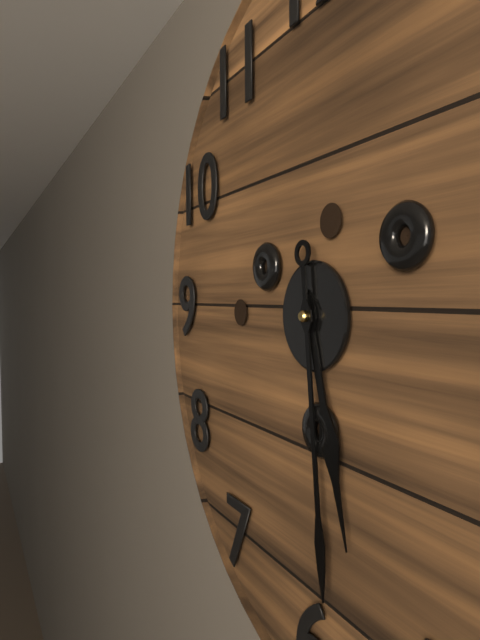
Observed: 5h29
